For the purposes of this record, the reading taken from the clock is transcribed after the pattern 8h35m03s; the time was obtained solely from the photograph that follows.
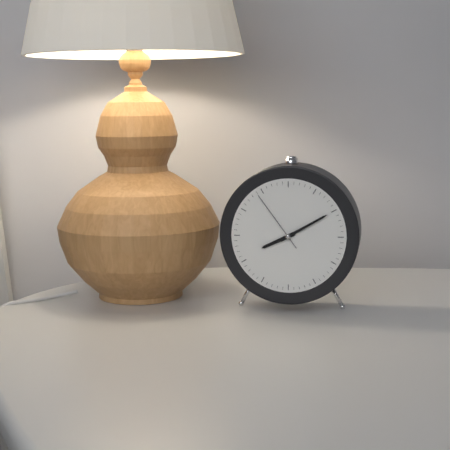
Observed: 8h10m54s
